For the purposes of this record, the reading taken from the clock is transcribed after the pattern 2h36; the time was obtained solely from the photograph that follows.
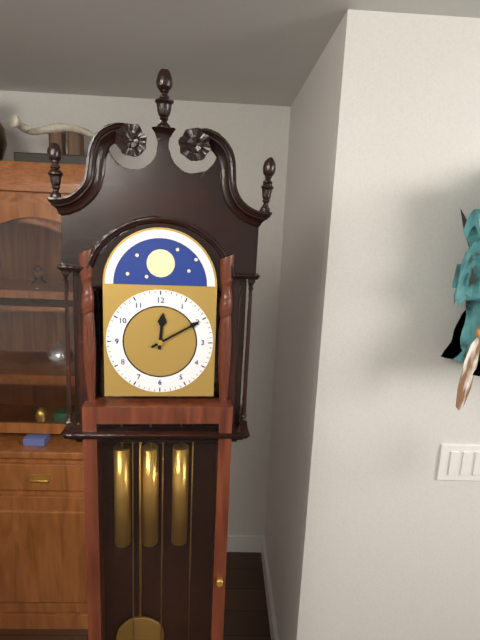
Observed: 12h10
